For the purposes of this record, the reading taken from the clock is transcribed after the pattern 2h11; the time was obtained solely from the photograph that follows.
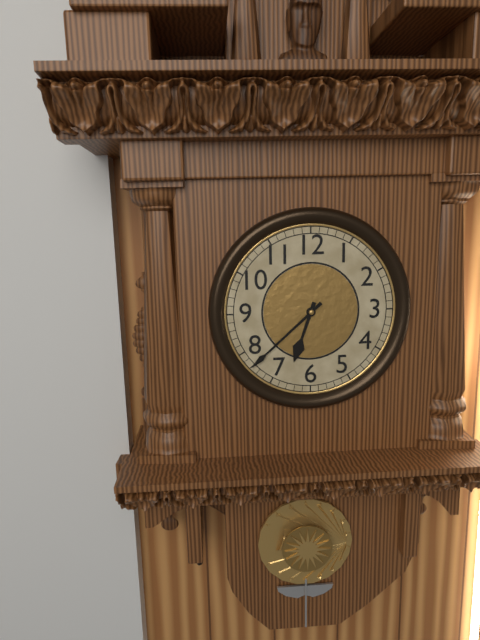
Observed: 6h38
